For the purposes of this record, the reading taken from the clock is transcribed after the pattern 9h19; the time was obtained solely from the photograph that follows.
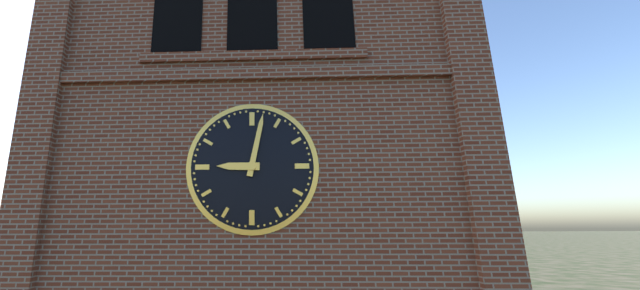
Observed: 9h02
